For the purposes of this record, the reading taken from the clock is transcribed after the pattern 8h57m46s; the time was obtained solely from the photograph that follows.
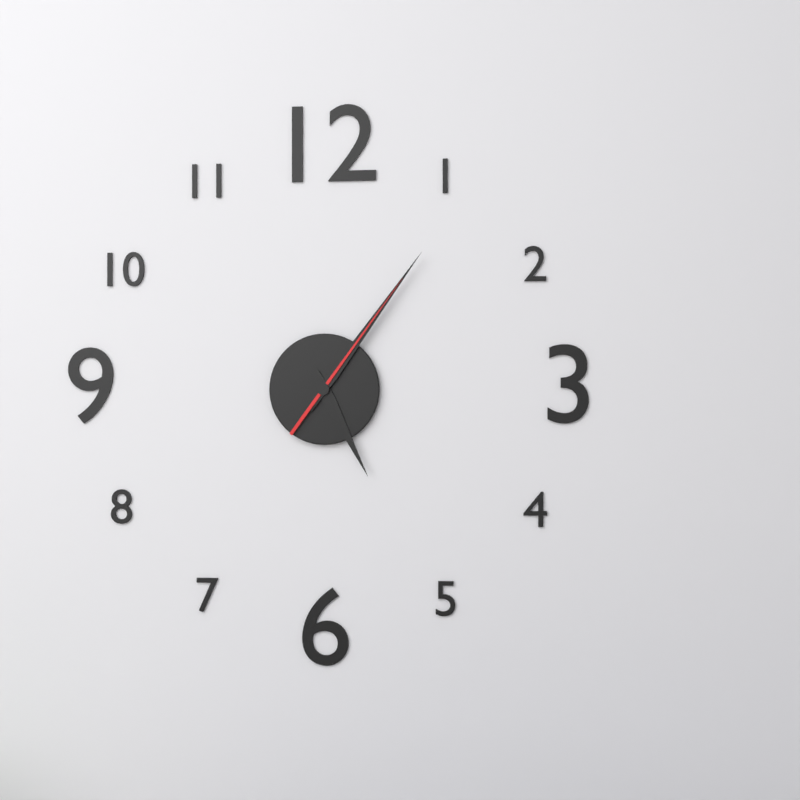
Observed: 5h06m06s
